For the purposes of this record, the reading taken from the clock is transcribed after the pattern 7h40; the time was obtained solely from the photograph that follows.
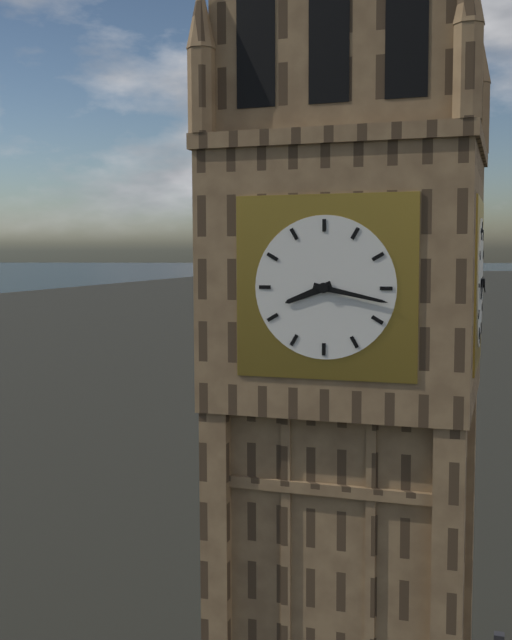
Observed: 8h17
